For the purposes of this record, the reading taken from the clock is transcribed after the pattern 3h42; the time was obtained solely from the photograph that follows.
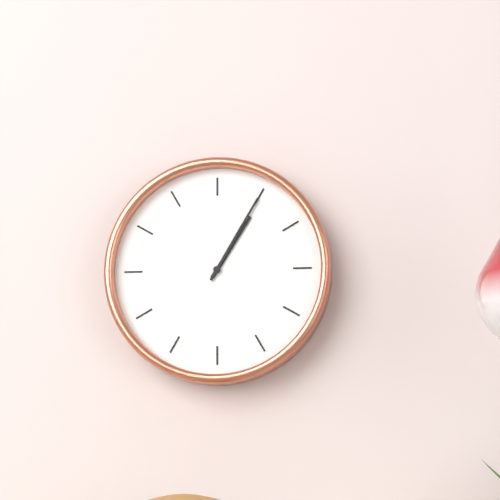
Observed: 1h05
